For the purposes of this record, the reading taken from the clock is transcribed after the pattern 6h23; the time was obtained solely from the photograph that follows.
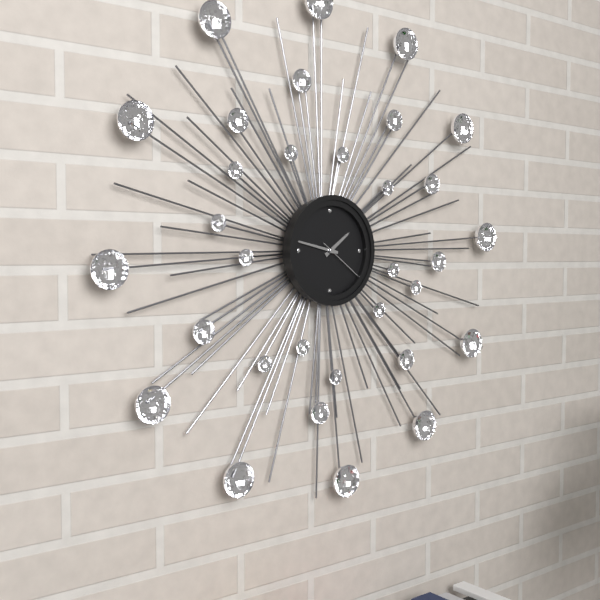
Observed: 1h47
